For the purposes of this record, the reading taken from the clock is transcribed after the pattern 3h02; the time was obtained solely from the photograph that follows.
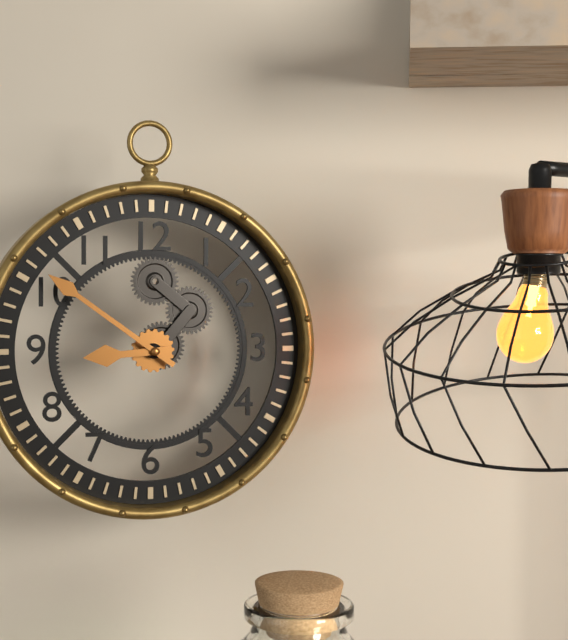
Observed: 8h51
